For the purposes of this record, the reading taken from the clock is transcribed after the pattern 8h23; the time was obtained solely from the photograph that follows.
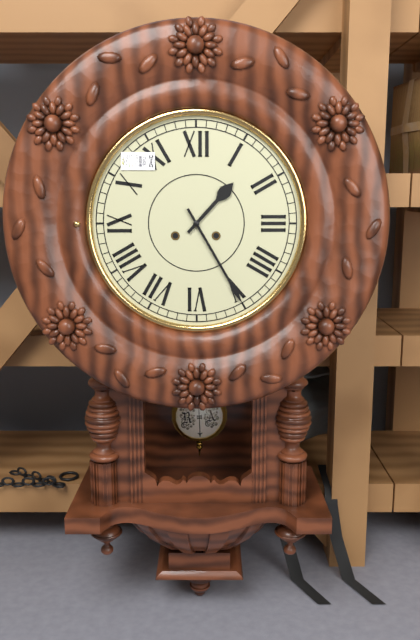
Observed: 1h25
